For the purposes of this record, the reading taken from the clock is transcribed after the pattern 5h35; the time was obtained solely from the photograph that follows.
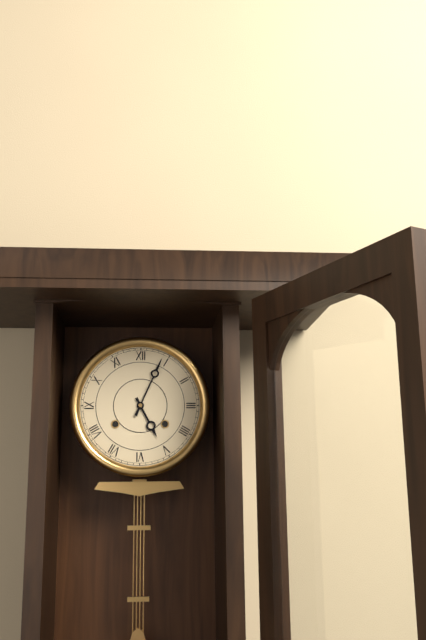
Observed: 5h04
